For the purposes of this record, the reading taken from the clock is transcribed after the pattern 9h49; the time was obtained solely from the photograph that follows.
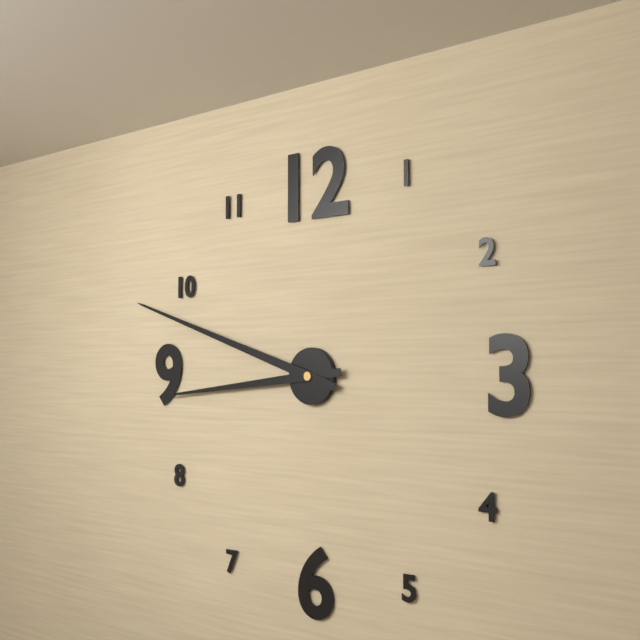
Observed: 8h48
